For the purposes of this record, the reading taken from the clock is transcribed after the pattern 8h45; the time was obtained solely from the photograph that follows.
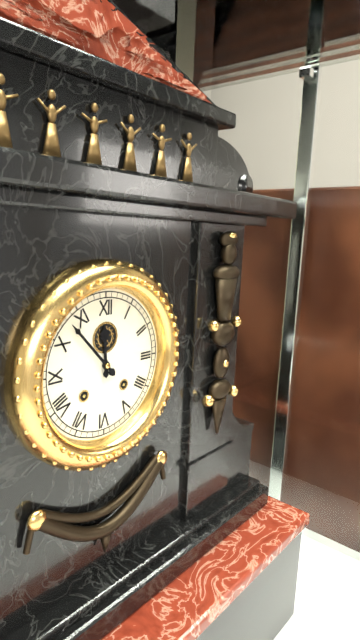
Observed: 11h53
